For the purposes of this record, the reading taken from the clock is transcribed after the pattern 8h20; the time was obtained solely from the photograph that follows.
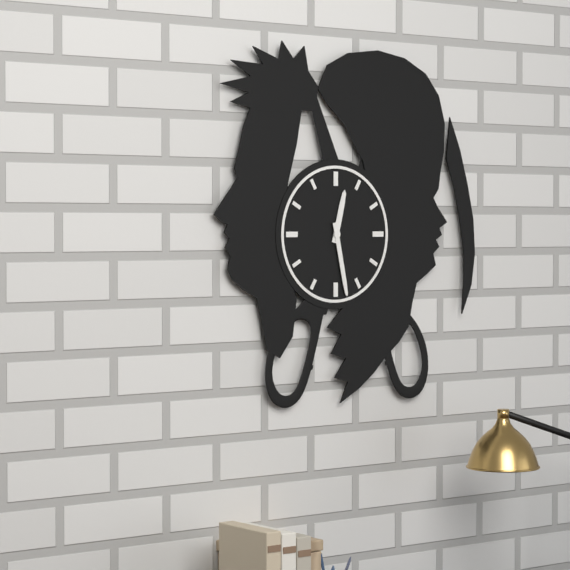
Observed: 12h28
